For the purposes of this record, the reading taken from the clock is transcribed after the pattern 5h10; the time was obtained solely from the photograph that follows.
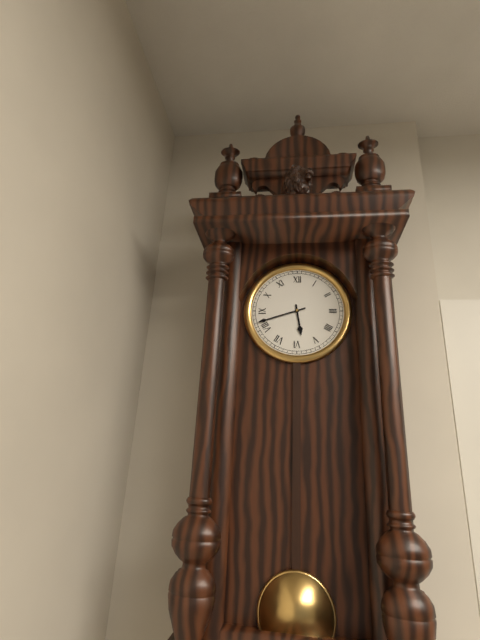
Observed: 5h42
